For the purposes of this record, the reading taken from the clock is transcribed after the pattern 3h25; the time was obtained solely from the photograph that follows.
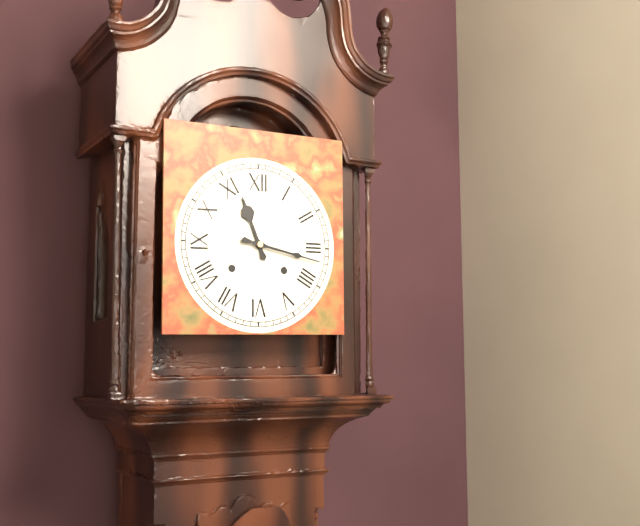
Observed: 11h17
